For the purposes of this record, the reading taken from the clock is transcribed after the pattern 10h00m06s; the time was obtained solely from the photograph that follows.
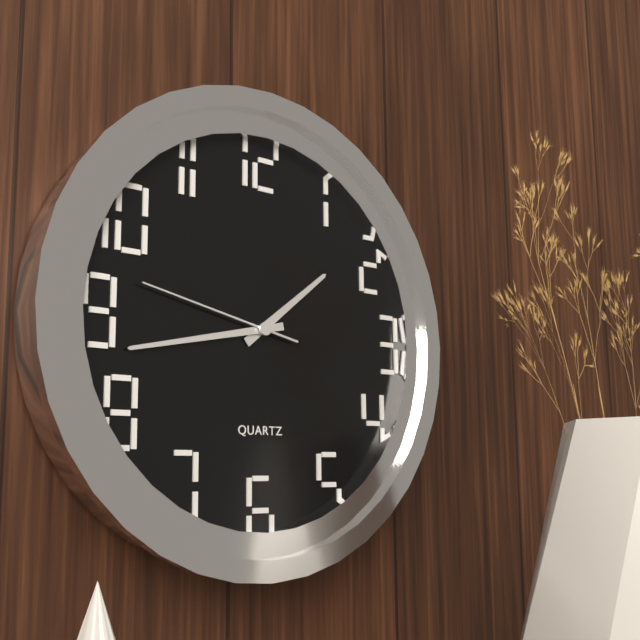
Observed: 1h43m47s
